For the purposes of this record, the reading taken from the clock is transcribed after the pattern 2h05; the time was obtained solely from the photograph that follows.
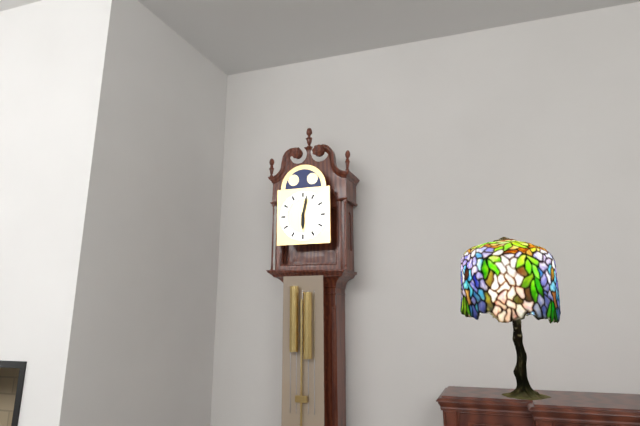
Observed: 6h02
